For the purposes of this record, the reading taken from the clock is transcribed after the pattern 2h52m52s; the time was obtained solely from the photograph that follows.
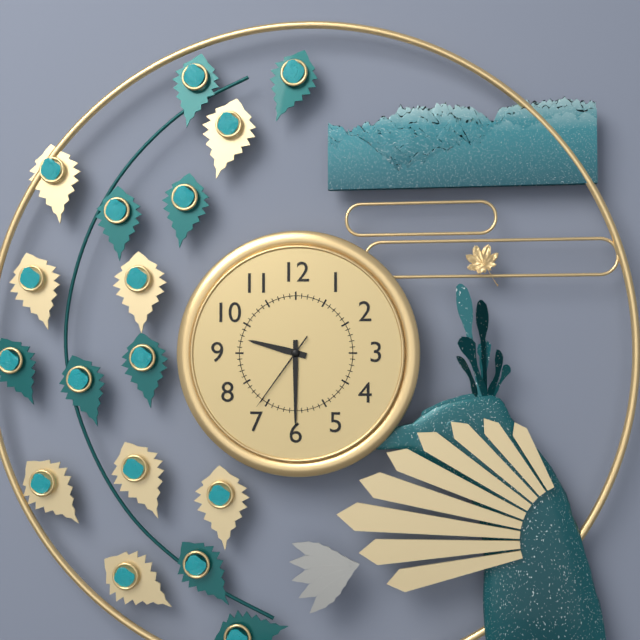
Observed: 9h30m36s
